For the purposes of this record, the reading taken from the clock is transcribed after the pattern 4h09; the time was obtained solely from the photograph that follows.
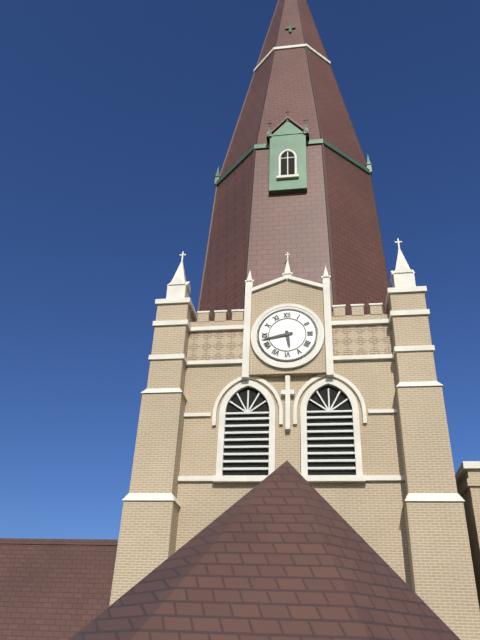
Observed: 5h43
